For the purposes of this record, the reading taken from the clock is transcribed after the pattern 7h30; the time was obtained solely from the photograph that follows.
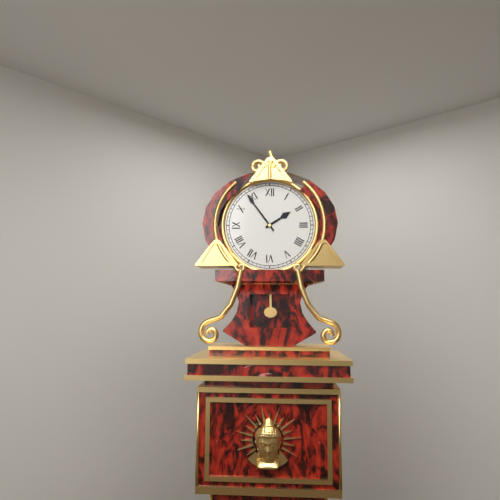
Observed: 1h54
